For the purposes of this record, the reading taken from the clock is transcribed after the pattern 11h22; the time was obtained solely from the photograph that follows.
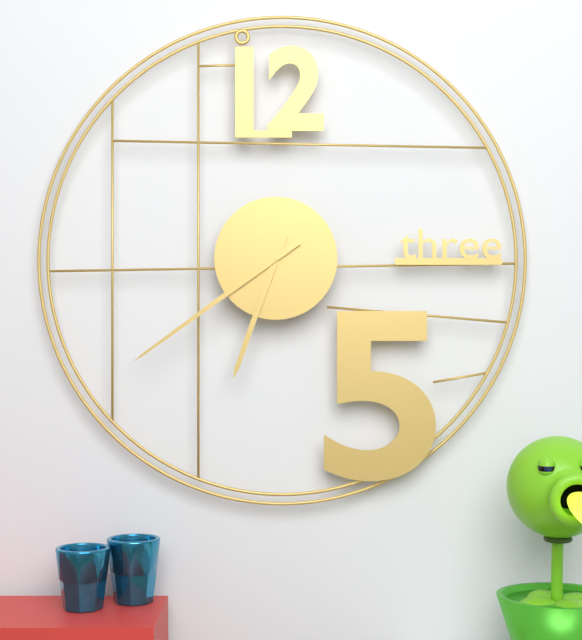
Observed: 6h39
